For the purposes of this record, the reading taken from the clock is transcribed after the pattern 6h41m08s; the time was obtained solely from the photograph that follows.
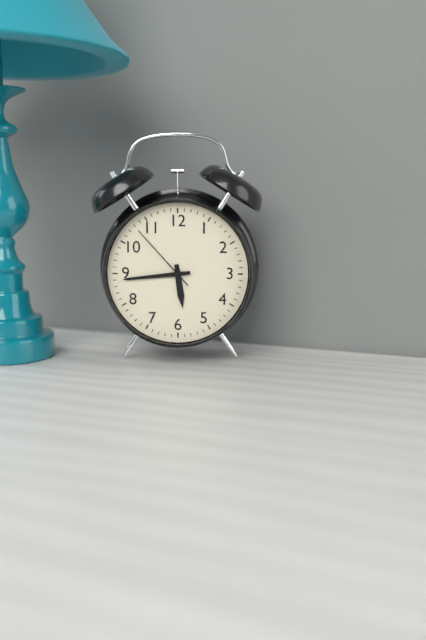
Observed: 5h44m53s
